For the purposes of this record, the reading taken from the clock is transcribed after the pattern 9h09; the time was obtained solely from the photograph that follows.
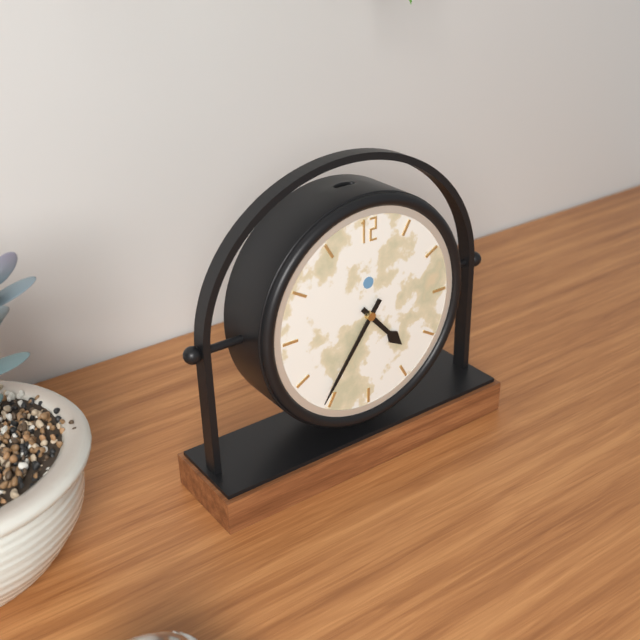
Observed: 4h36
